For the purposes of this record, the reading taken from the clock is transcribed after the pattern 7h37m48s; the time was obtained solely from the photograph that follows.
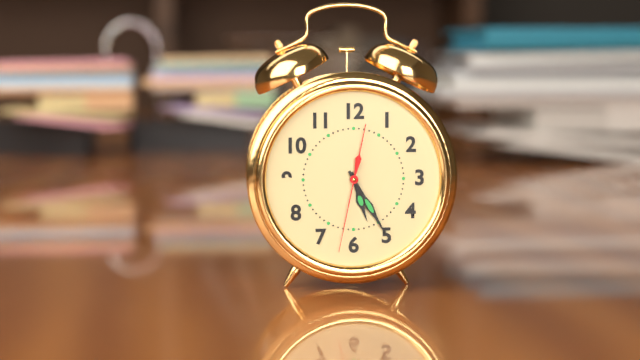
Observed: 5h25m32s
